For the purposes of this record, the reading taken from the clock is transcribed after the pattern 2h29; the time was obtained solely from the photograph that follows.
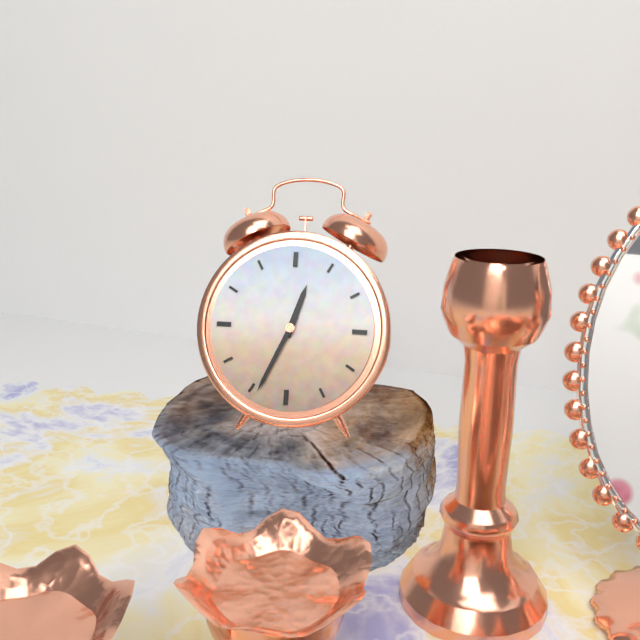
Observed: 12h34
